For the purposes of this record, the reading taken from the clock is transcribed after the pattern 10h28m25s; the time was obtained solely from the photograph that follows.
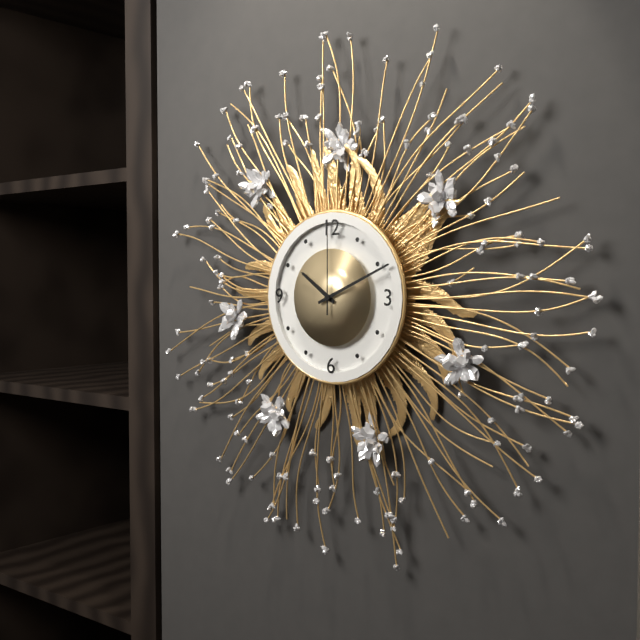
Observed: 10h11m00s
